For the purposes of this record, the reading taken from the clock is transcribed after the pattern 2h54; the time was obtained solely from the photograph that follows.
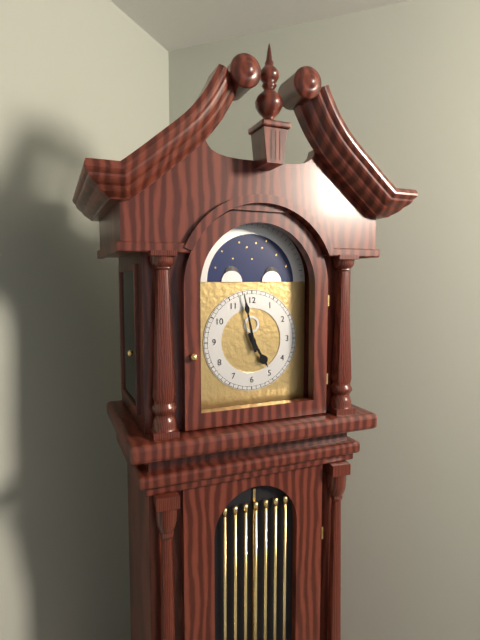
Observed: 4h58
